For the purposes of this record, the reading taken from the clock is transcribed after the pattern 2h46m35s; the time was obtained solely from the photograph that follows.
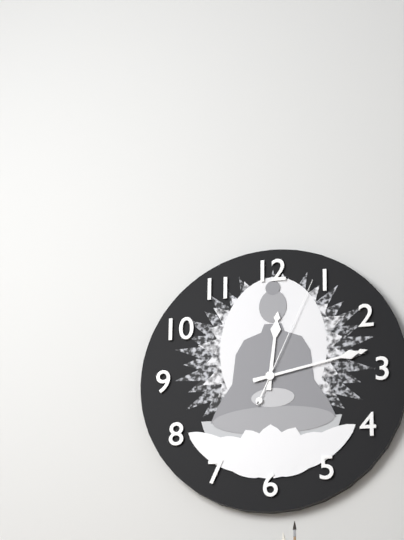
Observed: 12h13m04s
